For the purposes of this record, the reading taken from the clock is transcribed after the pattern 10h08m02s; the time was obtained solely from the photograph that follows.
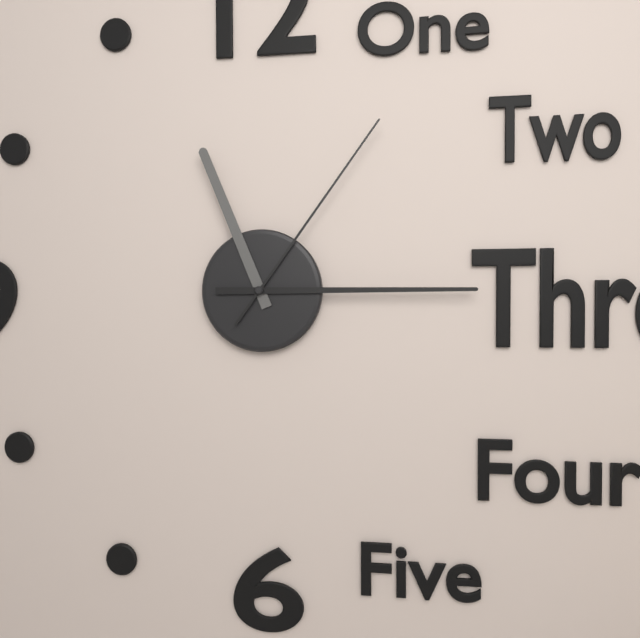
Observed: 11h15m06s
